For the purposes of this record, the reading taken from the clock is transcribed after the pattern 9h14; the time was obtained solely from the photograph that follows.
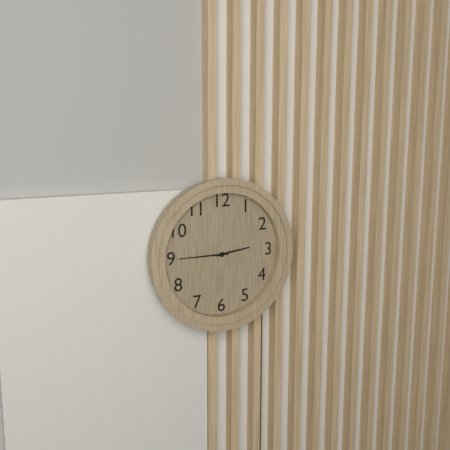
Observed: 2h45
